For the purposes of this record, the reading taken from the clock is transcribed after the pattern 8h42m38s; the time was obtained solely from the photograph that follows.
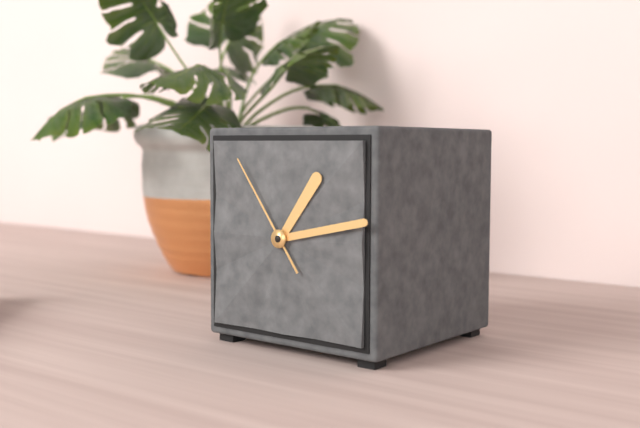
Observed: 1h13m54s
